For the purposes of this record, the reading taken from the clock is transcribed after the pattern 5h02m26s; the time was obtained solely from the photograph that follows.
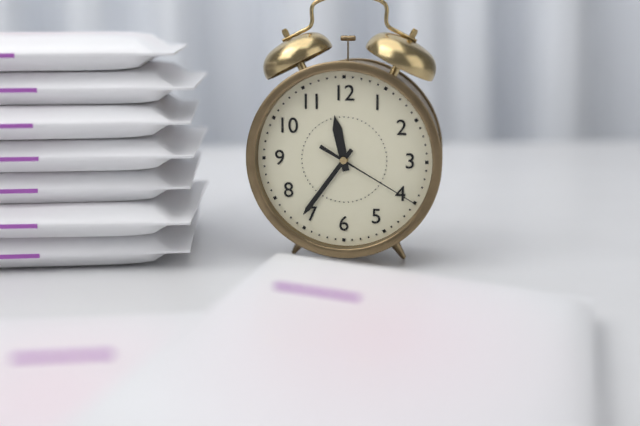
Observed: 11h36m20s
